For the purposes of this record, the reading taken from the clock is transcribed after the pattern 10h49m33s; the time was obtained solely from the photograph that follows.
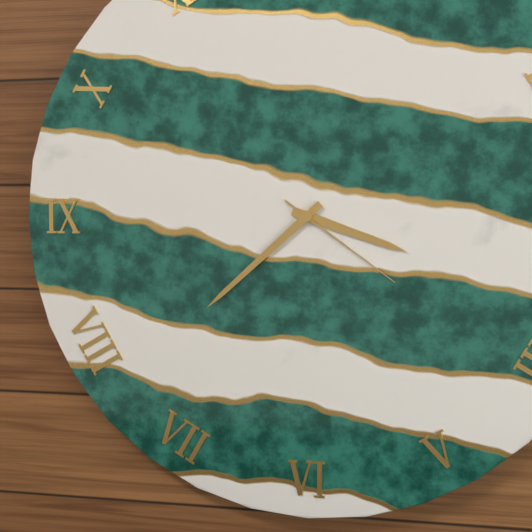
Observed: 3h38m21s
